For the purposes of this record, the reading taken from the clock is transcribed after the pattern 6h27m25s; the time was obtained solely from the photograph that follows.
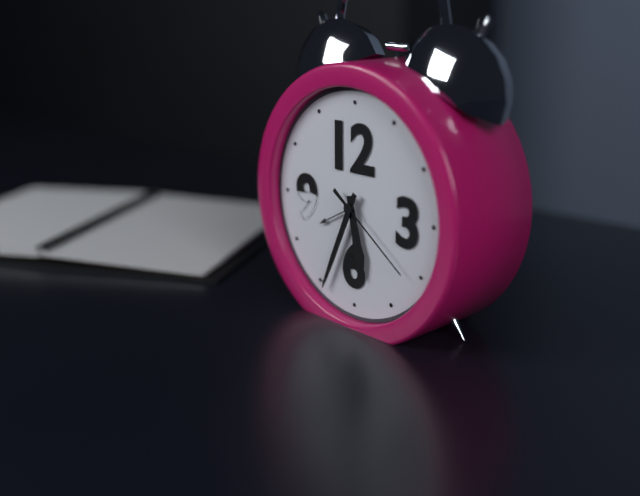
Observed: 5h34m21s
